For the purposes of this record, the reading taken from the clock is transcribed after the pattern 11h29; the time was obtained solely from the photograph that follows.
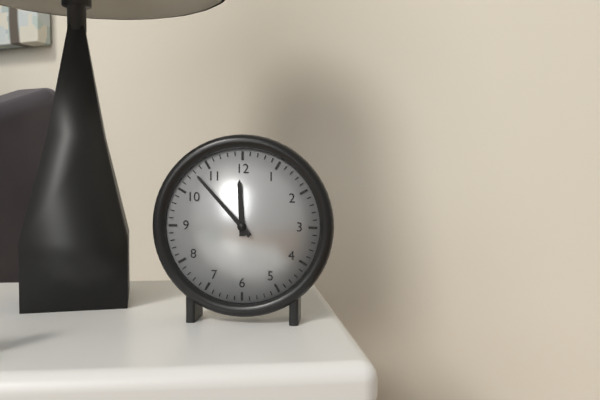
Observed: 11h53
